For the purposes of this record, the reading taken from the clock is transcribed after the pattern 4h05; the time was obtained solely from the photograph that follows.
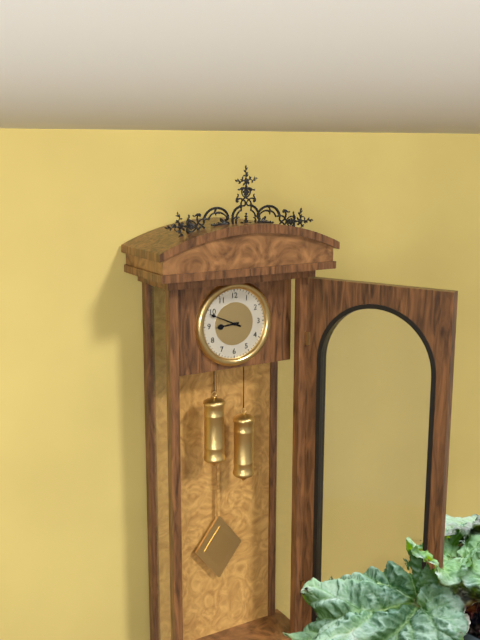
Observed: 8h49
